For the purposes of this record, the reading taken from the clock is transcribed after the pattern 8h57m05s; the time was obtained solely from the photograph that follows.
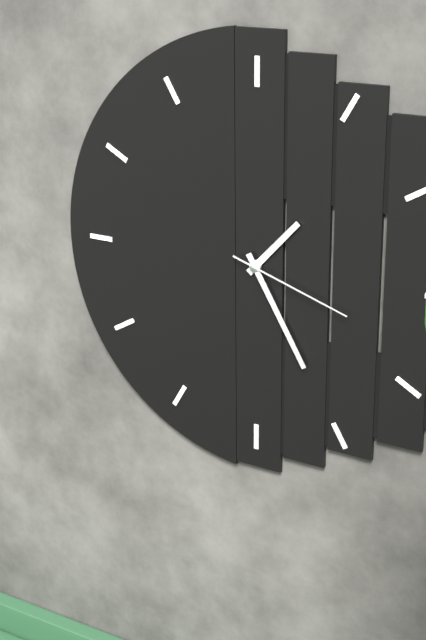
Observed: 1h25m18s
